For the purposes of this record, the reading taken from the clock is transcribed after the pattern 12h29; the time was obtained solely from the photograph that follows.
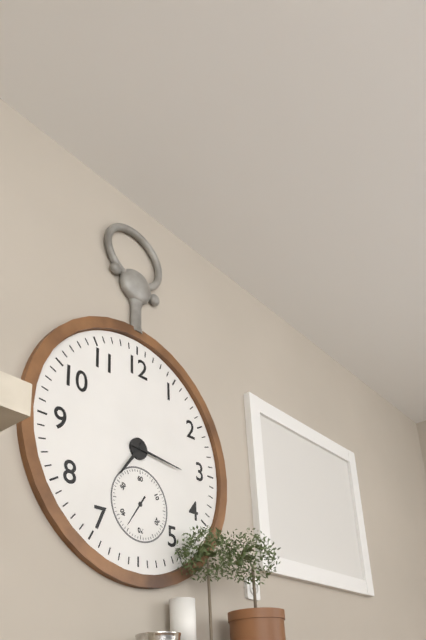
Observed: 7h16
